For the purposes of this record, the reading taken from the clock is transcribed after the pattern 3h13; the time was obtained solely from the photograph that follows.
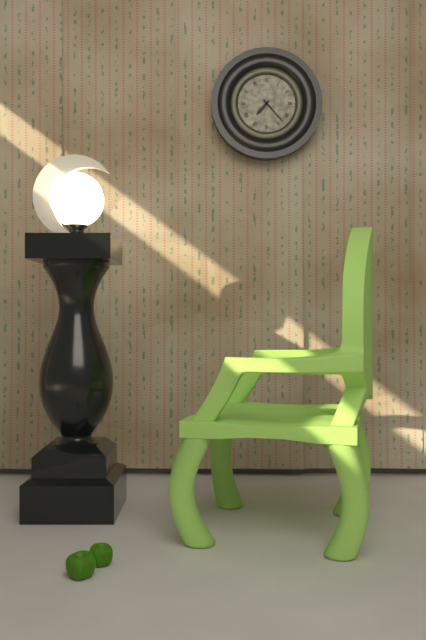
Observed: 7h23
